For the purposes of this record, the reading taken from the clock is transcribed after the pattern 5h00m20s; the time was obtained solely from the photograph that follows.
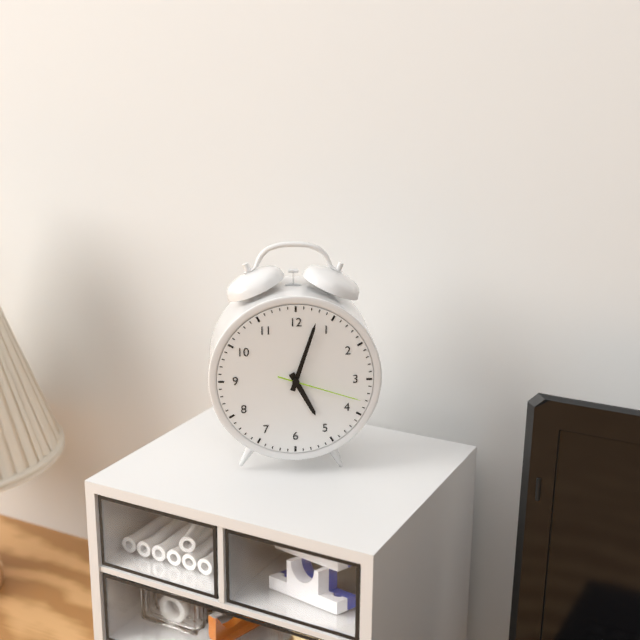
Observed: 5h03m18s
